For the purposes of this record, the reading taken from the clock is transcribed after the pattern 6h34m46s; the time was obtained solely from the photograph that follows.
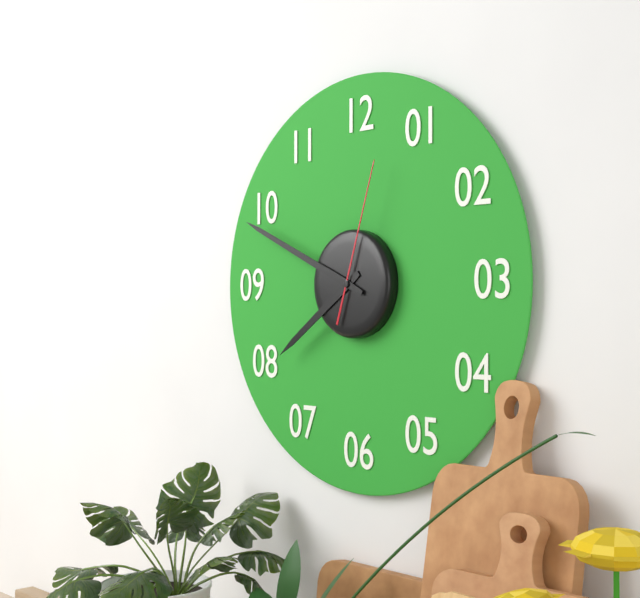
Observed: 7h49m03s
